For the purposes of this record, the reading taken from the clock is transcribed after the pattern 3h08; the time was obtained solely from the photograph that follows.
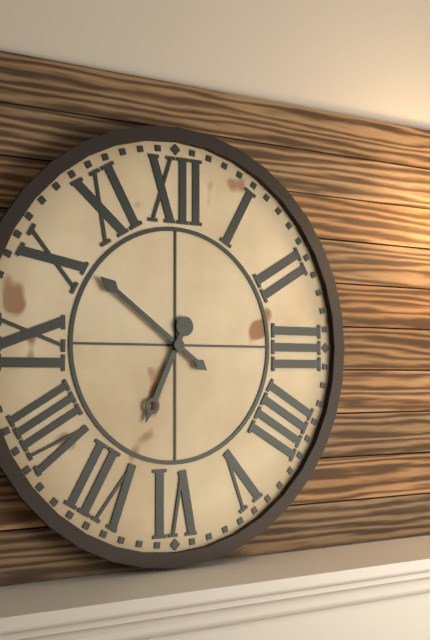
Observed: 6h51
